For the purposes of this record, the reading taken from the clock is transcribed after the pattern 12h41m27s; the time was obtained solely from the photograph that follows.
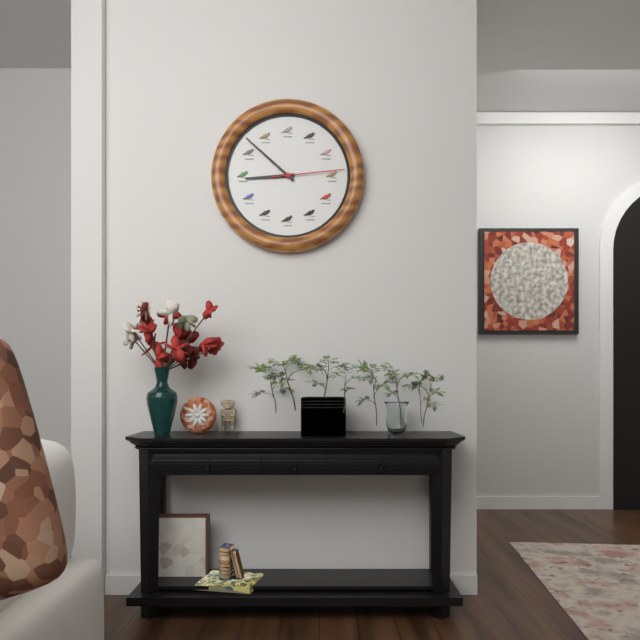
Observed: 8h52m14s
